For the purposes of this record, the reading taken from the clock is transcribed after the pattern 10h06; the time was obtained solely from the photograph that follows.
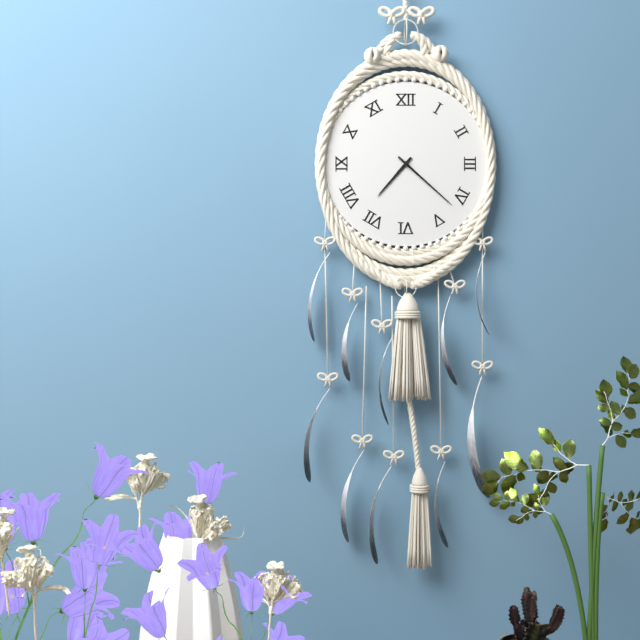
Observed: 7h22
